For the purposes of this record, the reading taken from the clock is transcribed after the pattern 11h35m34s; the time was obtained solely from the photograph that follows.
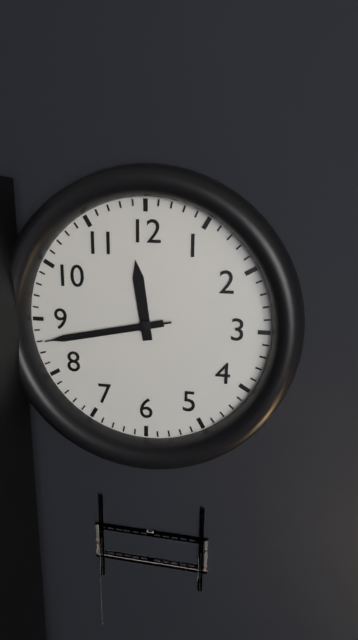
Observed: 11h43m43s
